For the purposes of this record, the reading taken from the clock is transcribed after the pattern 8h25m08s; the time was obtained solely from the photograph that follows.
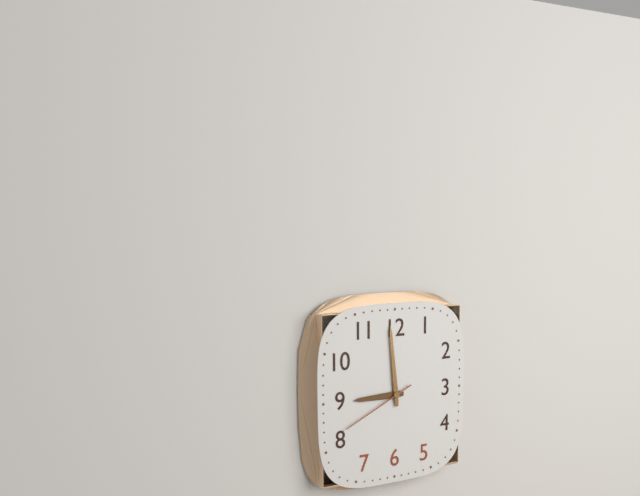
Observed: 8h59m41s
